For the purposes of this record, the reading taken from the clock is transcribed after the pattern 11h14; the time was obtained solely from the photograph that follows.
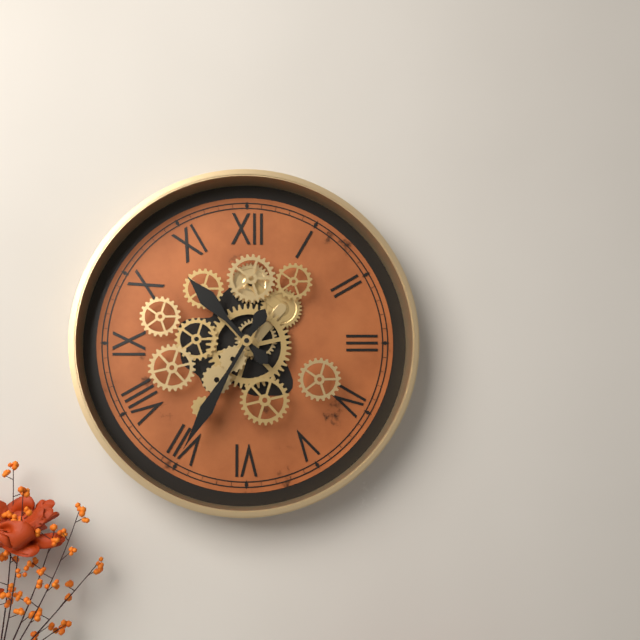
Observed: 10h35
